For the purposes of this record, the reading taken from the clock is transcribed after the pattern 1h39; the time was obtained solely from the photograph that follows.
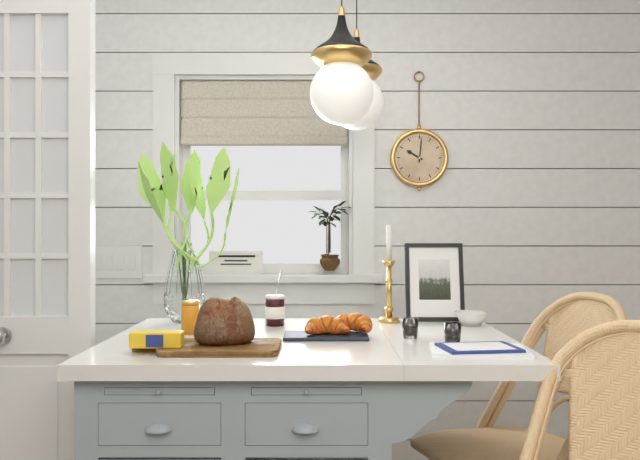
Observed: 10h01
